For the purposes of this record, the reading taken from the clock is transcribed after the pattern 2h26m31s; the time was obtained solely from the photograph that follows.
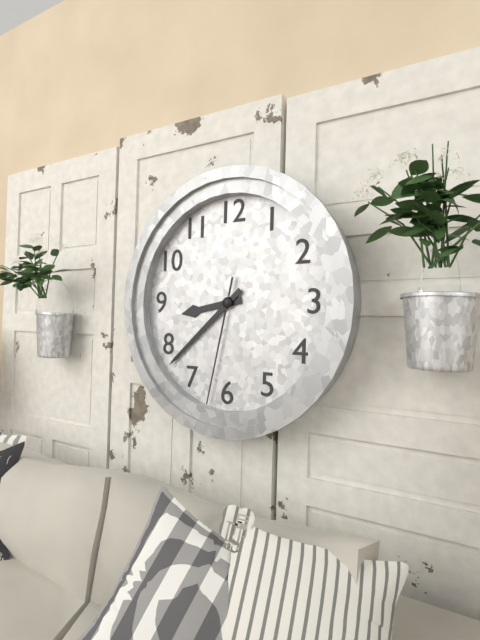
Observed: 8h38m32s
